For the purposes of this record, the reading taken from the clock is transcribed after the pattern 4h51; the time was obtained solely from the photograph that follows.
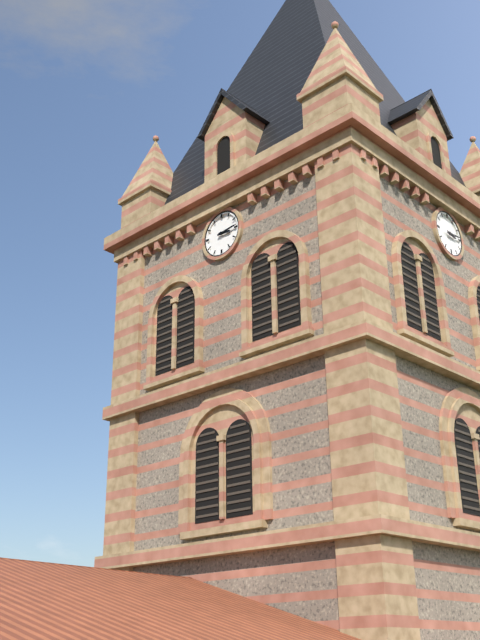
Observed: 3h14
